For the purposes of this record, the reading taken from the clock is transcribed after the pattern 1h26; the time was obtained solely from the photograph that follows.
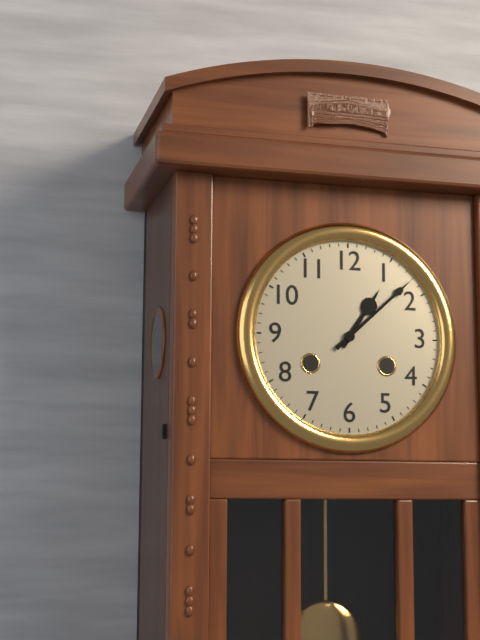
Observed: 1h08
